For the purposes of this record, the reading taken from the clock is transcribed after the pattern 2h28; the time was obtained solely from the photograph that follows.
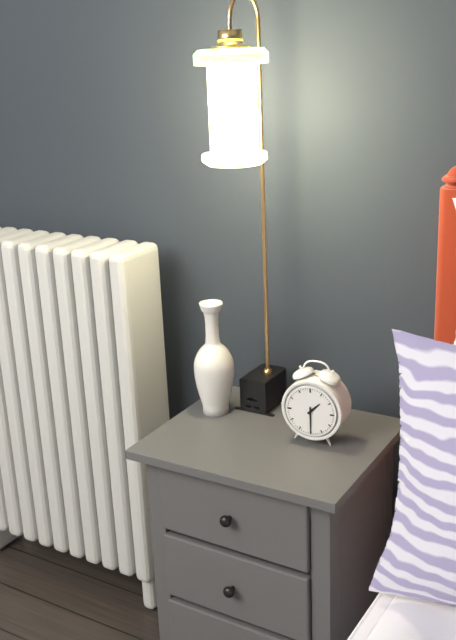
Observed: 1h30
